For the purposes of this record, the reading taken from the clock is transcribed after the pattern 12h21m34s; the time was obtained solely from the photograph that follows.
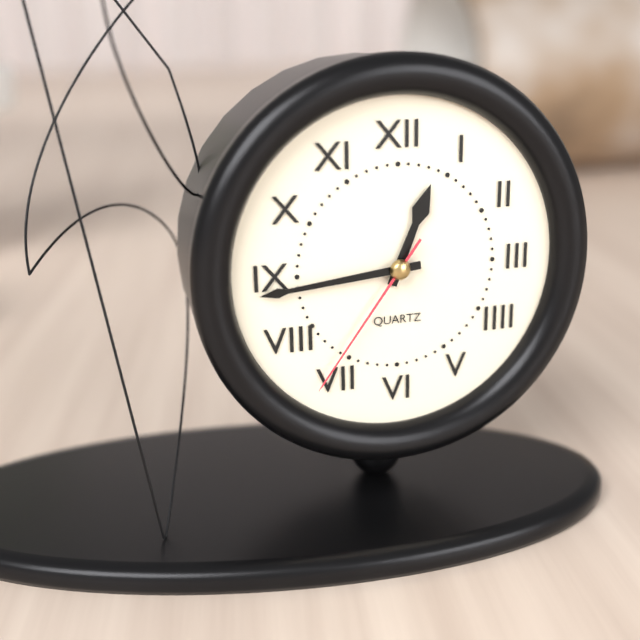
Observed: 12h44m36s
